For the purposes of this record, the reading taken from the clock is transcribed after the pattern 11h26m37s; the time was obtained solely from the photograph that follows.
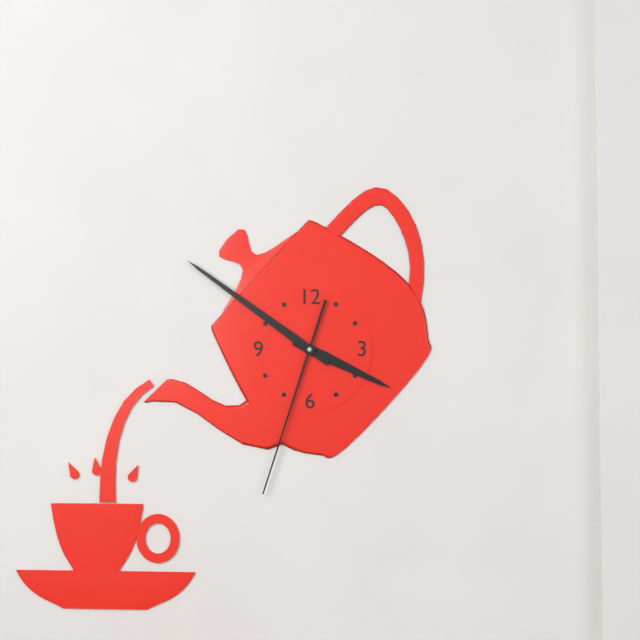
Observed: 3h51m33s
